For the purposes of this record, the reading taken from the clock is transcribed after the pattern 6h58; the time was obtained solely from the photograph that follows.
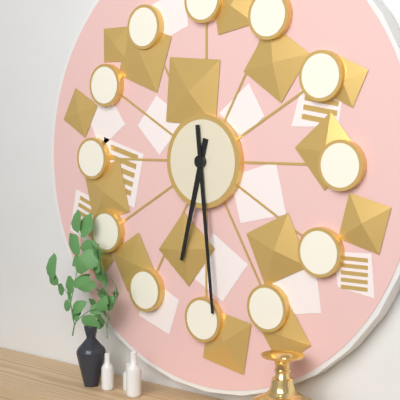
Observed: 6h29
